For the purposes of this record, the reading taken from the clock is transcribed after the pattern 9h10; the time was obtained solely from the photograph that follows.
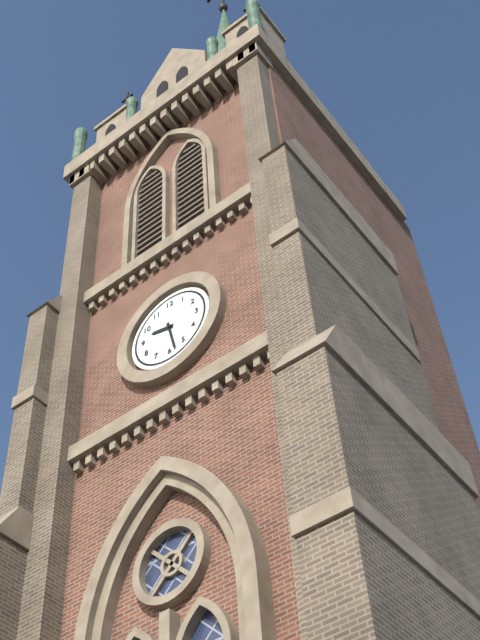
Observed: 9h28
